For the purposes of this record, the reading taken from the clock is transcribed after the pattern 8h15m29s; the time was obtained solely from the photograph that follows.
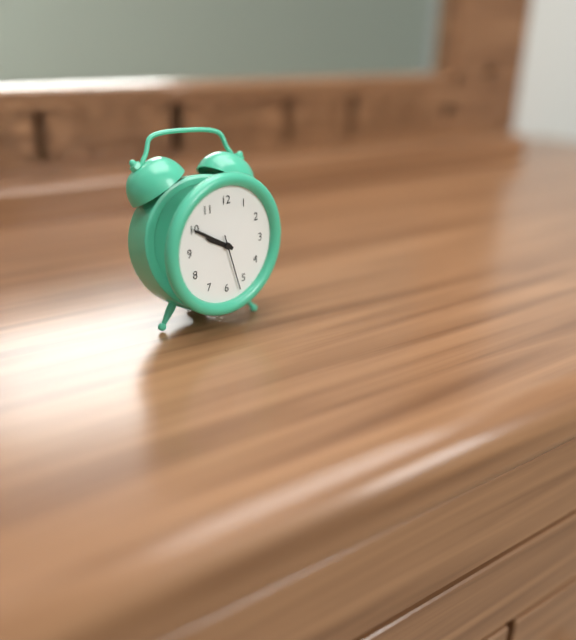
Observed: 9h50m27s
